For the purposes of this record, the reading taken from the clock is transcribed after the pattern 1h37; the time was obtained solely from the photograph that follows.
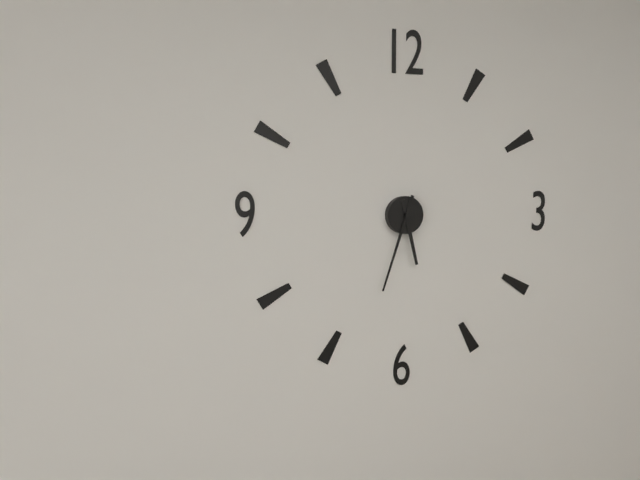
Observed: 5h33
